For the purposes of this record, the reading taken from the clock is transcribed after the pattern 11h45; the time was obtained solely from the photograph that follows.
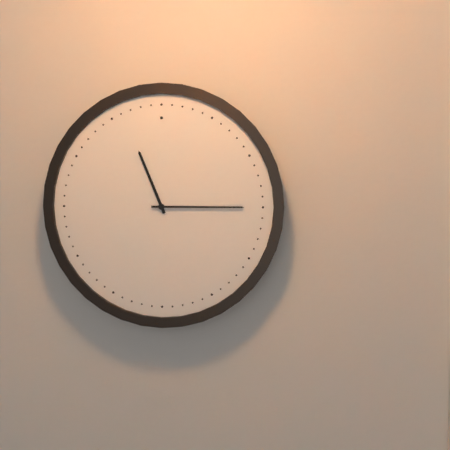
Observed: 11h15
